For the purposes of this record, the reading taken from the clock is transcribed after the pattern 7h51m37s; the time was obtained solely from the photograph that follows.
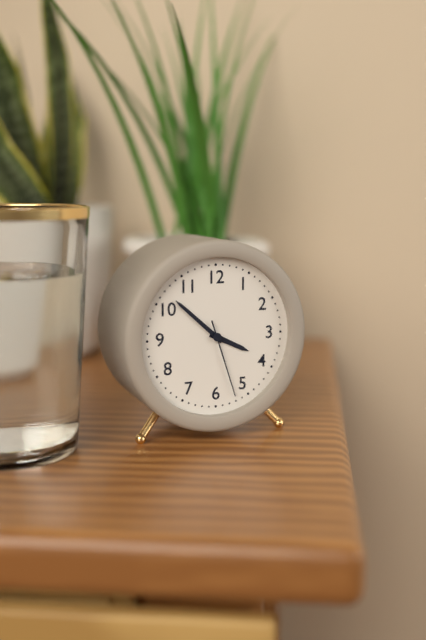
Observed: 3h52m27s
